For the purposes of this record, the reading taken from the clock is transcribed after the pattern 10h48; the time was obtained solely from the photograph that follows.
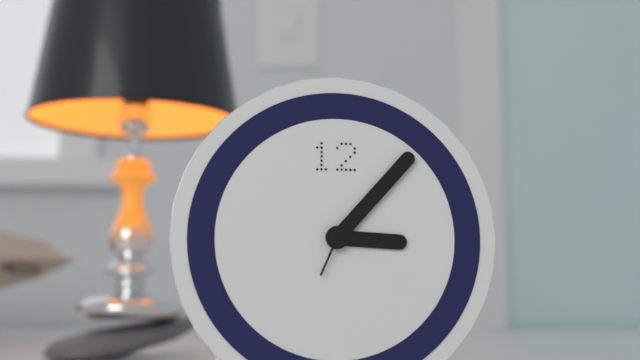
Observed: 3h07
